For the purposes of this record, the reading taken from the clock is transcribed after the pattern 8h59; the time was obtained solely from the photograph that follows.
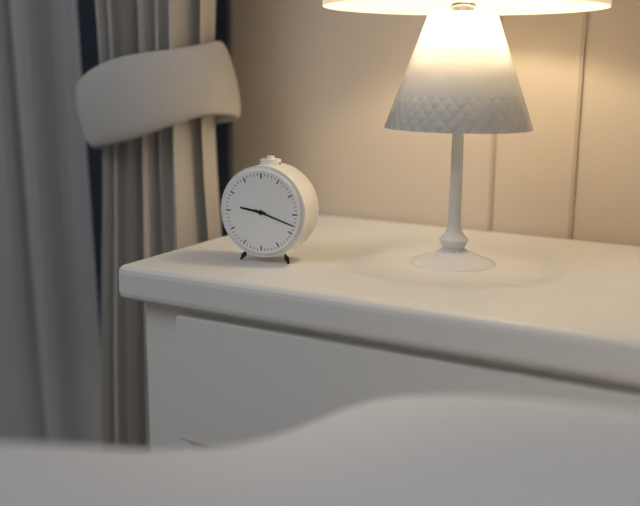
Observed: 9h18
